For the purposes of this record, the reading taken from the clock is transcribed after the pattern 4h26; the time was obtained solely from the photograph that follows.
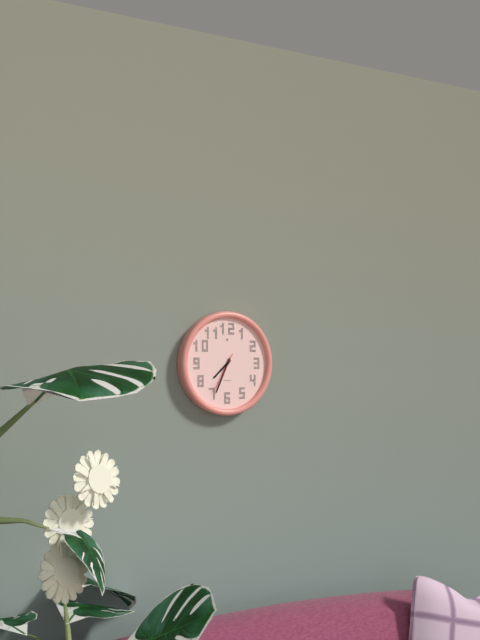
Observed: 7h34
